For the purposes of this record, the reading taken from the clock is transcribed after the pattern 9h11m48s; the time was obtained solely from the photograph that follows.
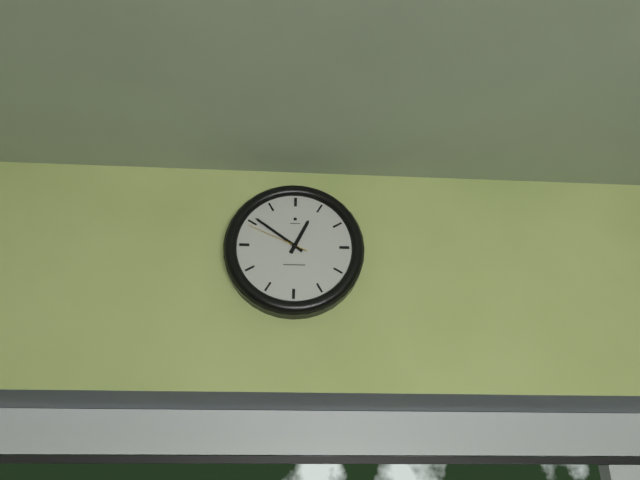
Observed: 12h51m49s
